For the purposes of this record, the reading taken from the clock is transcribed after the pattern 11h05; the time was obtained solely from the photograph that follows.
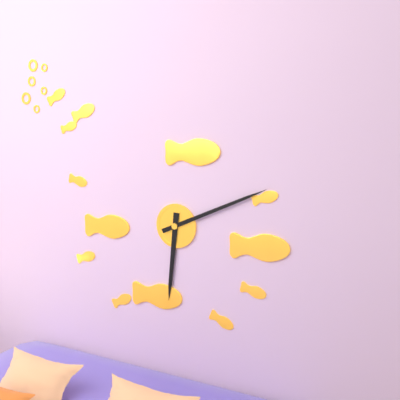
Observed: 6h11
